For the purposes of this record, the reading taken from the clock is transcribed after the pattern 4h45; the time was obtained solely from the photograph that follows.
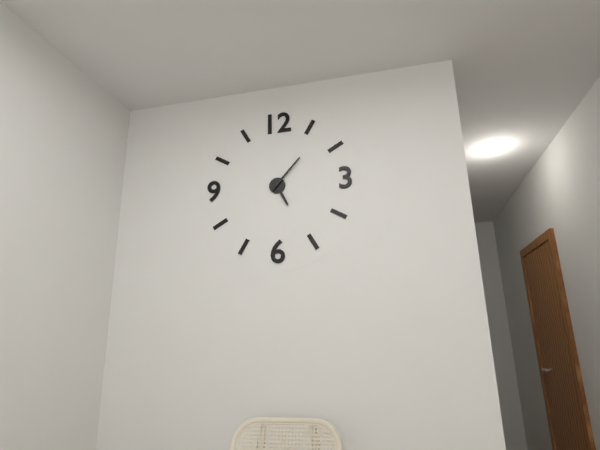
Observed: 5h07
